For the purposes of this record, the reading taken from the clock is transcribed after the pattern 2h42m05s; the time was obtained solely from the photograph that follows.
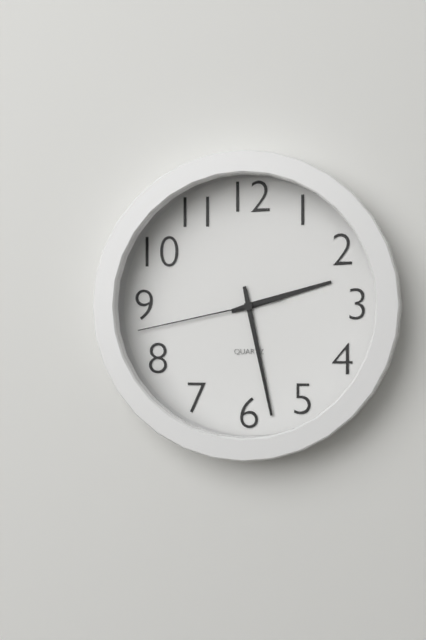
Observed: 2h28m43s
